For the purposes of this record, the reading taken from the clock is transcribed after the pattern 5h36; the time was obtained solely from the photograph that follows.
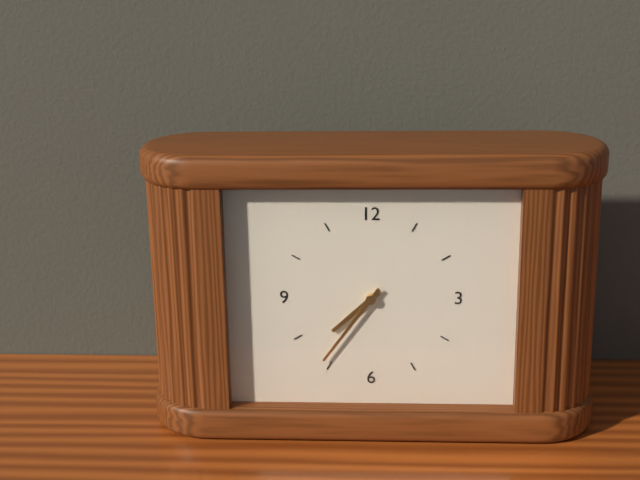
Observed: 7h36
